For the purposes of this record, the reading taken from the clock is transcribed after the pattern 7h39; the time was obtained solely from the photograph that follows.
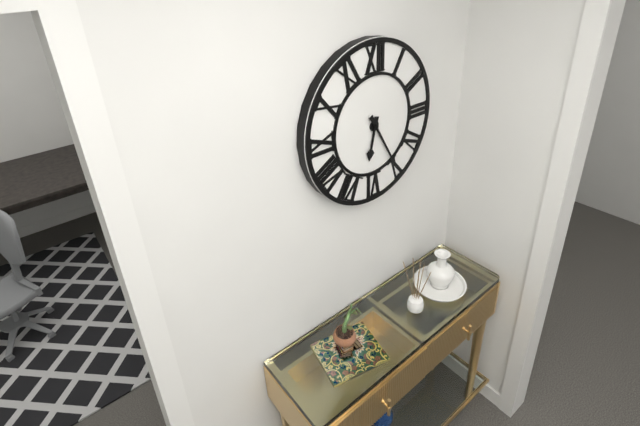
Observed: 6h25
